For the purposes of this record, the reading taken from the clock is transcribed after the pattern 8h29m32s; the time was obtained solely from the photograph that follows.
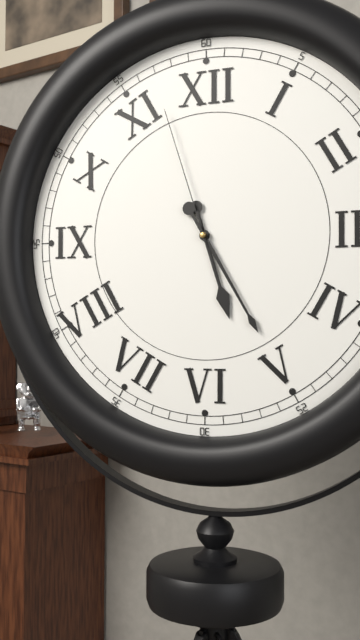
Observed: 5h25m57s
